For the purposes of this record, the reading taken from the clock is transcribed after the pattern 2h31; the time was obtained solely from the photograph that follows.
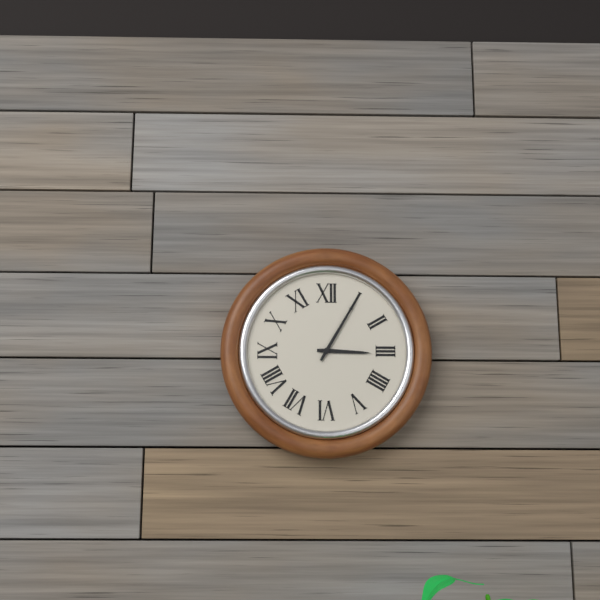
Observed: 3h05
